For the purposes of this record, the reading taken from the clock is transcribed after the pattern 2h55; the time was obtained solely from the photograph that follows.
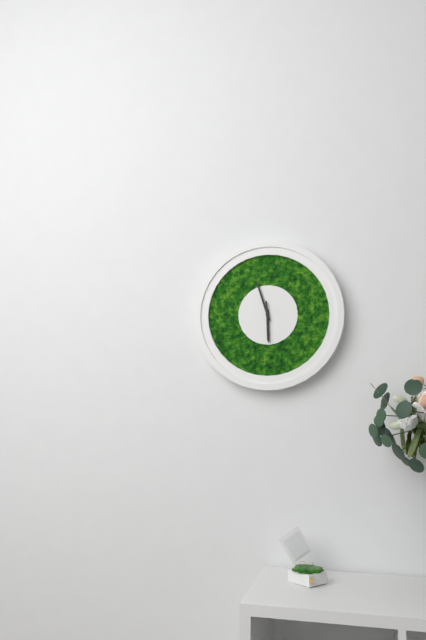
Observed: 5h57
